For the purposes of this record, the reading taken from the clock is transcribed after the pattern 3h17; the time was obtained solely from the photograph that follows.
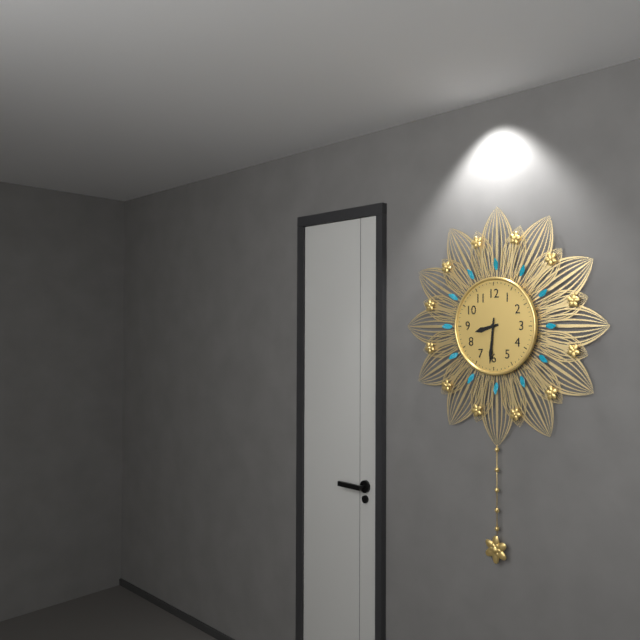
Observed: 8h31
